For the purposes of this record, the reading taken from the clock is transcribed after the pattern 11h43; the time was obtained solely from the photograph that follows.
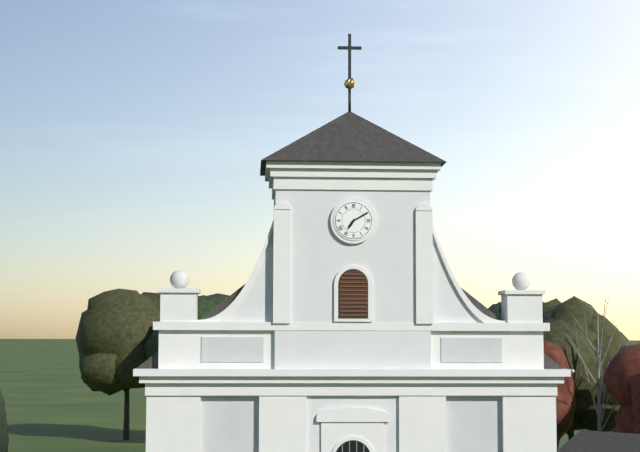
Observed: 7h10
